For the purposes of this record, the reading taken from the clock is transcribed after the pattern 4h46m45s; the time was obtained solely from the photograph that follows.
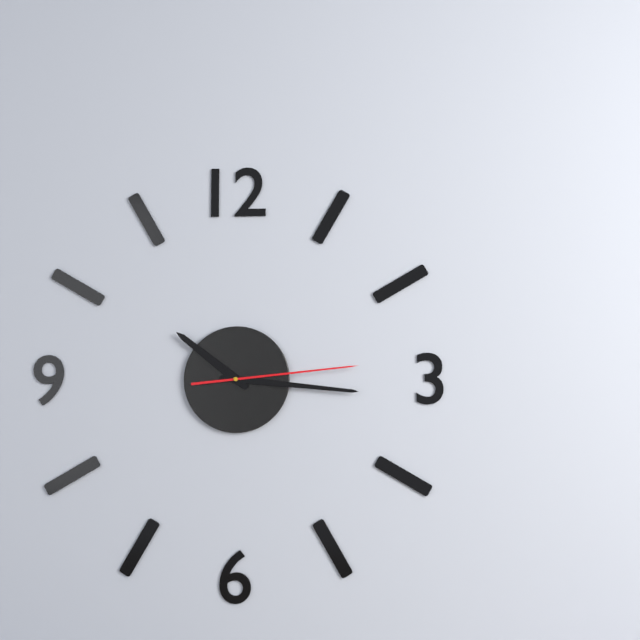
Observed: 10h16m14s
